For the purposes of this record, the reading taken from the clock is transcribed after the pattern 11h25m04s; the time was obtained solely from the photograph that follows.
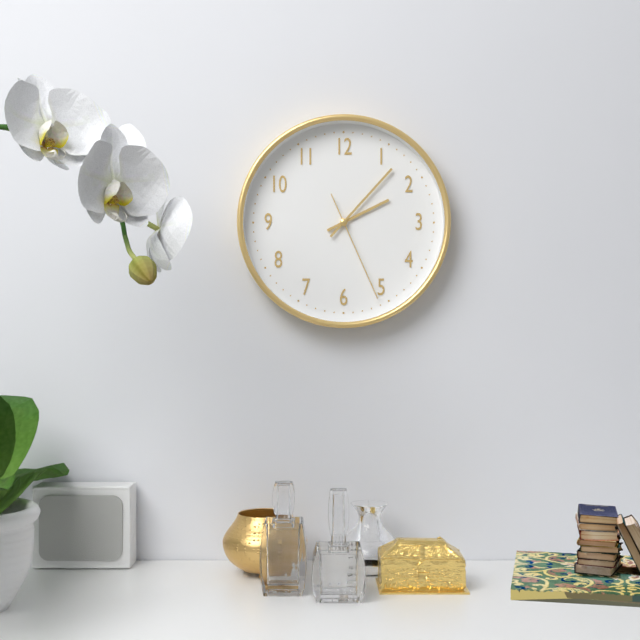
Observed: 2h07m26s
